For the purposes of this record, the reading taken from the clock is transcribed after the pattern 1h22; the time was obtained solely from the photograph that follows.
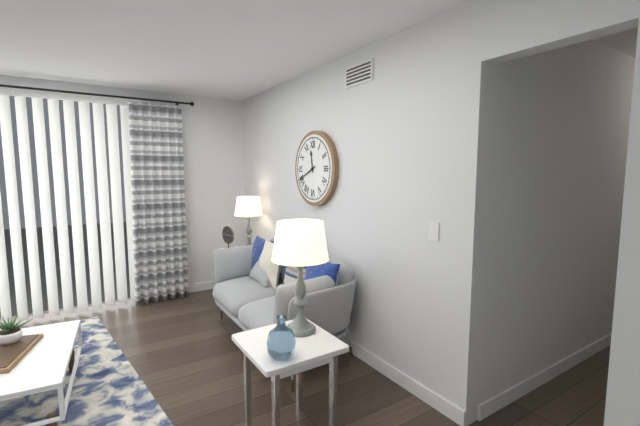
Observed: 11h41
